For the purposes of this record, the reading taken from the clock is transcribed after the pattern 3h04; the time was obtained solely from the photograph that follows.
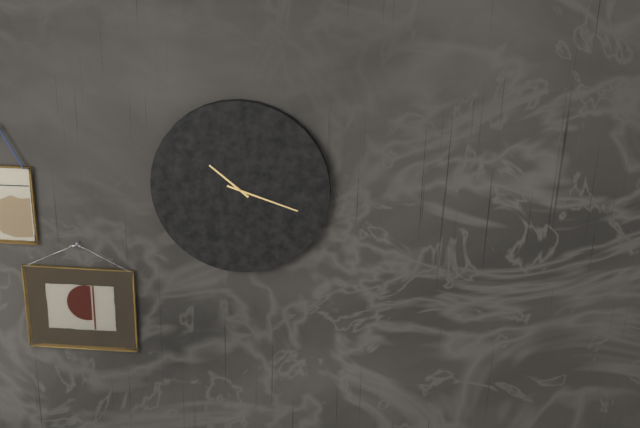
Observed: 10h18
